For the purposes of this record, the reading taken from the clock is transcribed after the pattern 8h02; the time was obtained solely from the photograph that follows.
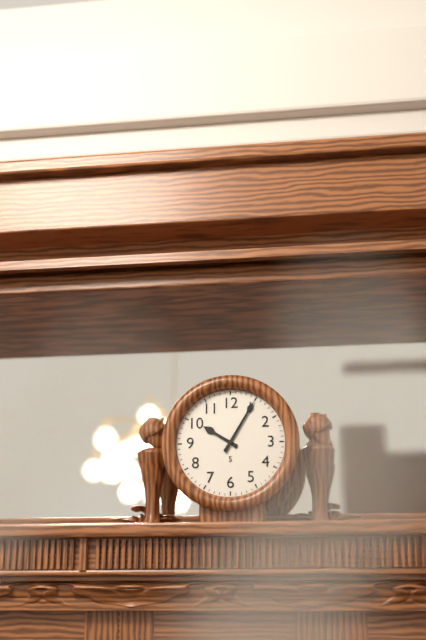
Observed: 10h05
